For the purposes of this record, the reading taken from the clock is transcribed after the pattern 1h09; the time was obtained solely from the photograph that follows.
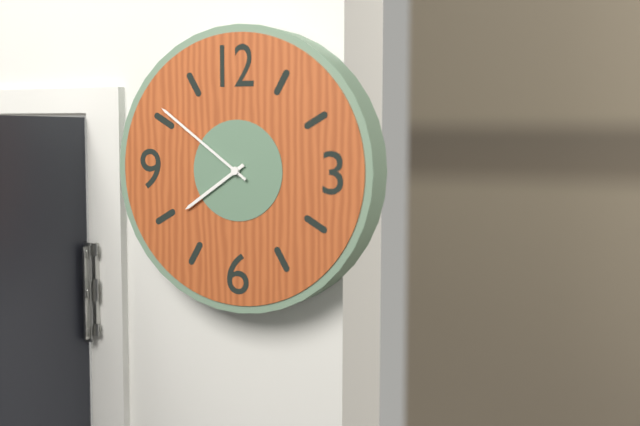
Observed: 7h51
